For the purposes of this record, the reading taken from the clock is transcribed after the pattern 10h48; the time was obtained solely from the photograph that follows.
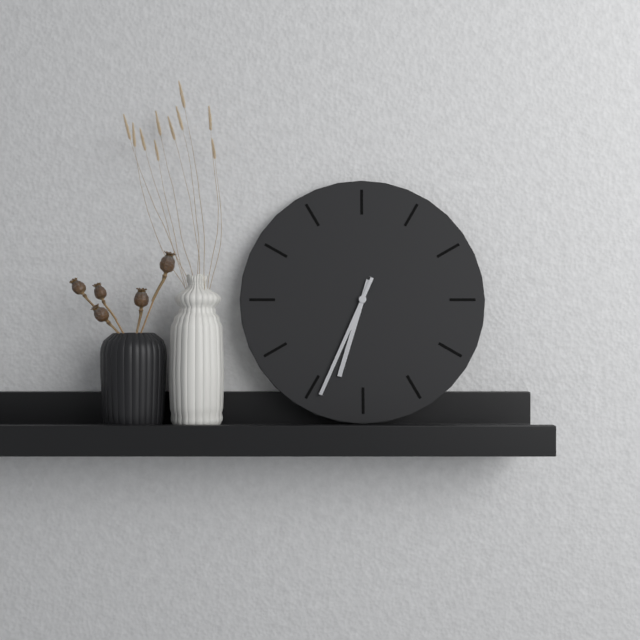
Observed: 6h34
